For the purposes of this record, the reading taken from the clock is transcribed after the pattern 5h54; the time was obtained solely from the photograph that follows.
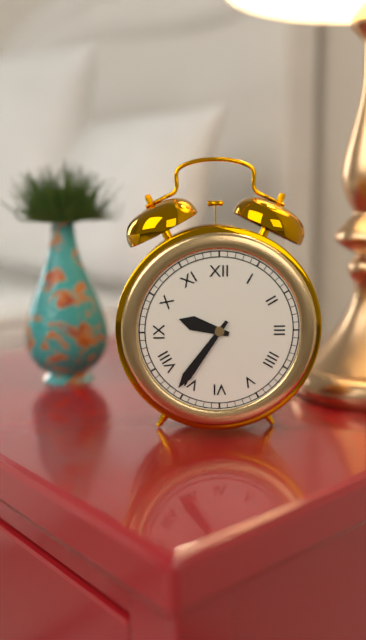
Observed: 9h36
